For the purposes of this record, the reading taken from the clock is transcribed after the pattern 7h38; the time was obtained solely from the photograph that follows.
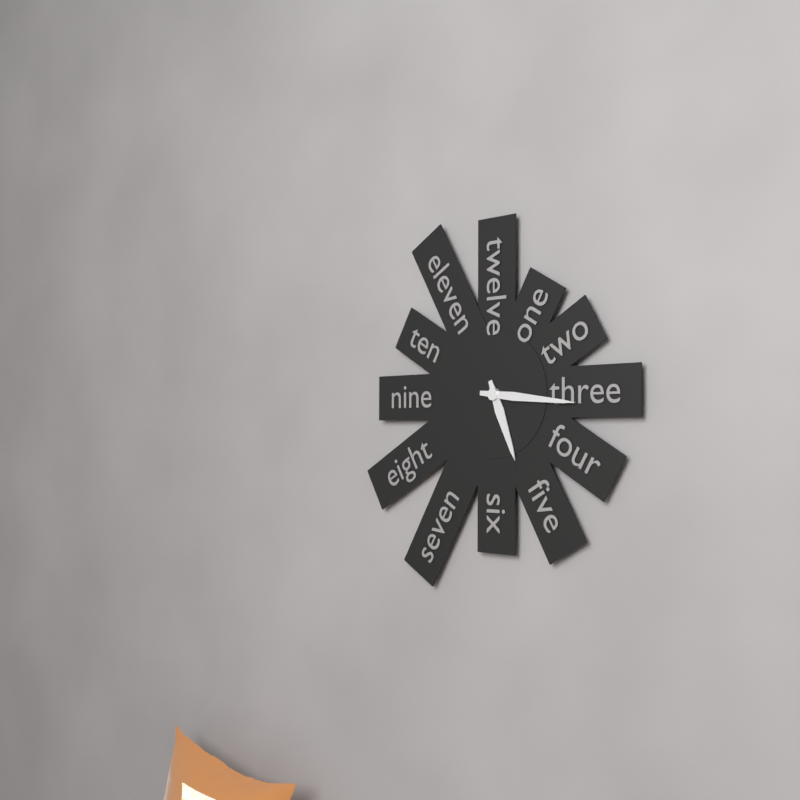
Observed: 5h16
